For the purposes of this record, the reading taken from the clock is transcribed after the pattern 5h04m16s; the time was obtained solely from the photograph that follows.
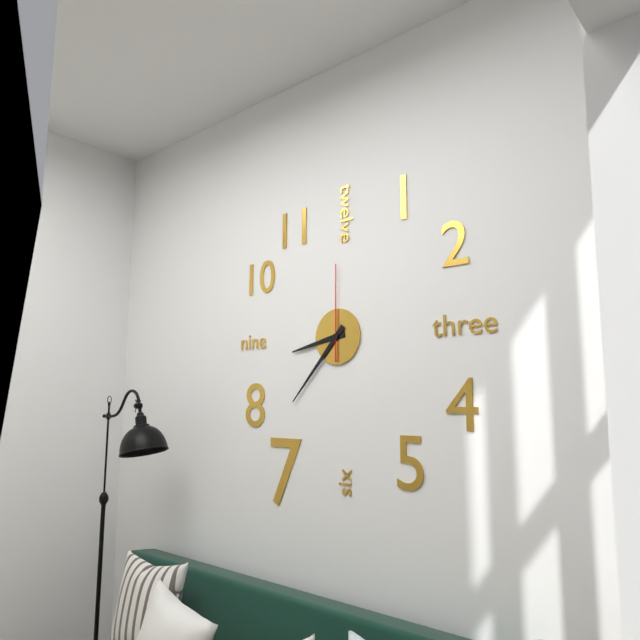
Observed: 8h37m00s
